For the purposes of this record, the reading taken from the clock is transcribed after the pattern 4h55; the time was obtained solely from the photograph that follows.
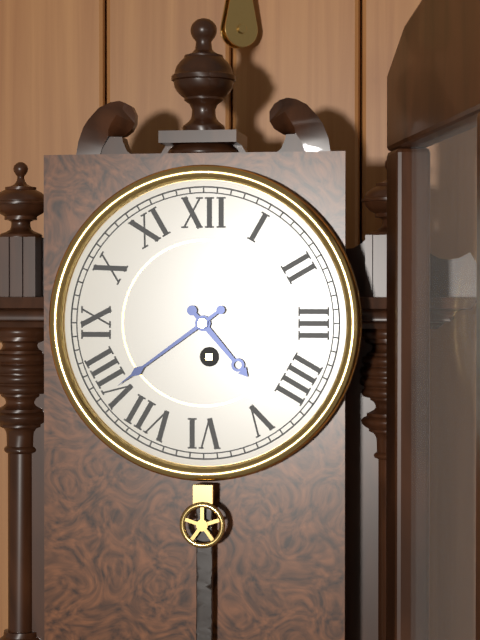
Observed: 4h39
